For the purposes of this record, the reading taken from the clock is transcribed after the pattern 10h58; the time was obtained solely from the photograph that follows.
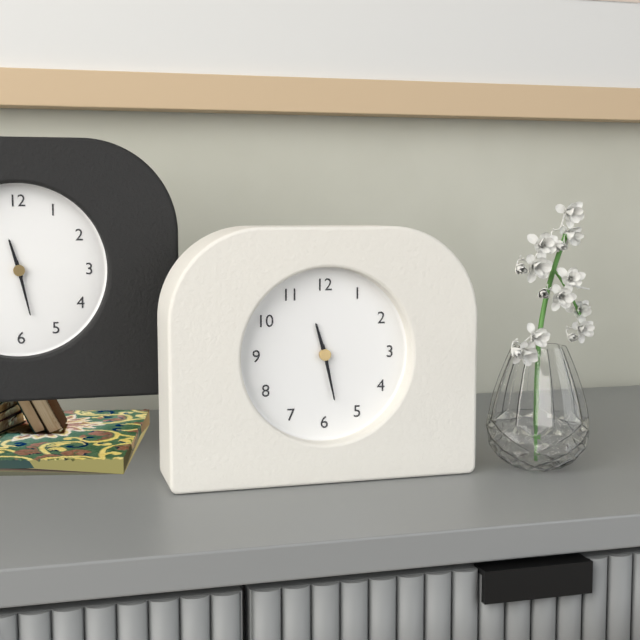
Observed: 11h28
